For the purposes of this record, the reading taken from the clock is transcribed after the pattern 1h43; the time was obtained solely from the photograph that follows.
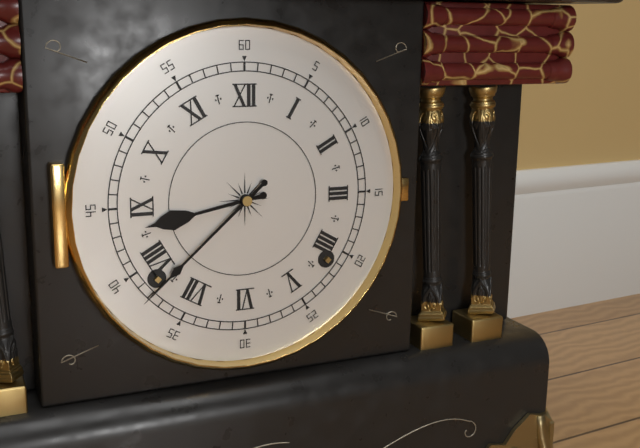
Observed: 8h38
